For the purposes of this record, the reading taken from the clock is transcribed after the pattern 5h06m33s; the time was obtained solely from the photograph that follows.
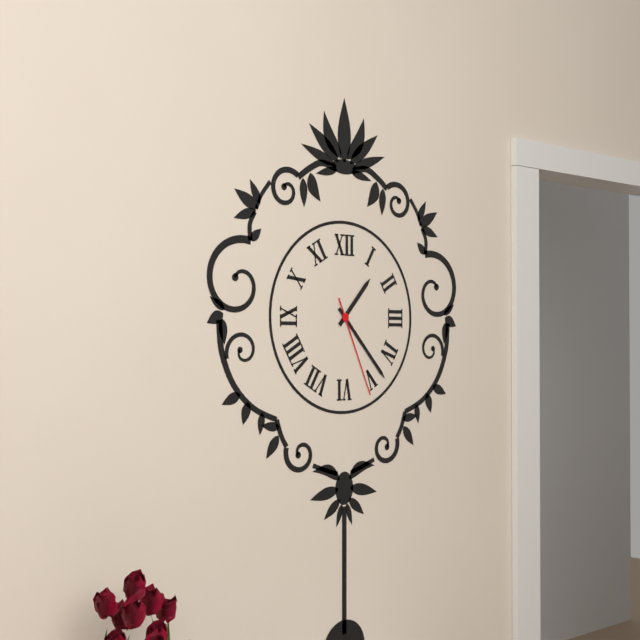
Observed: 1h23m26s
